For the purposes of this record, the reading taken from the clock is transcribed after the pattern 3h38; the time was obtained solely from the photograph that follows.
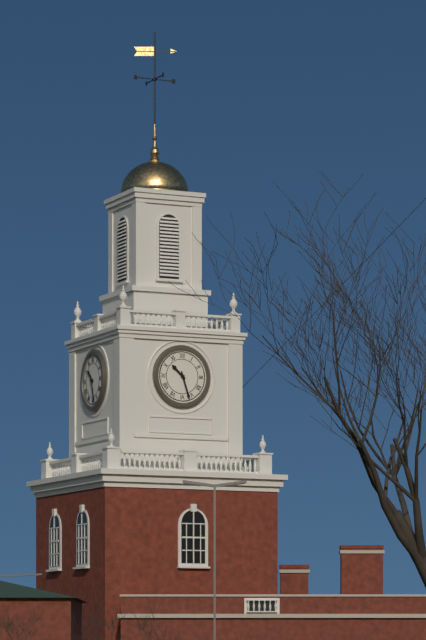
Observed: 10h27
